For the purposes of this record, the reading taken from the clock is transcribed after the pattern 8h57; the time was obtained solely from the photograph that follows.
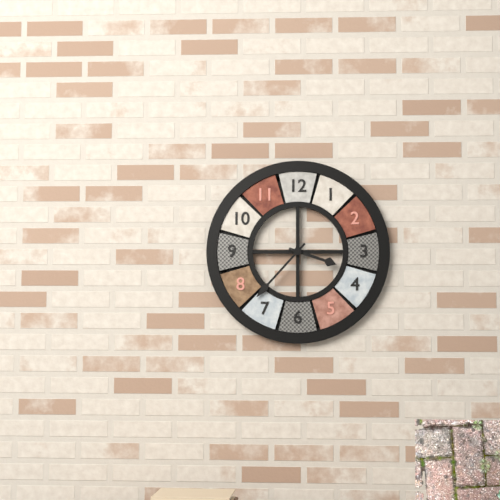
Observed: 3h37
